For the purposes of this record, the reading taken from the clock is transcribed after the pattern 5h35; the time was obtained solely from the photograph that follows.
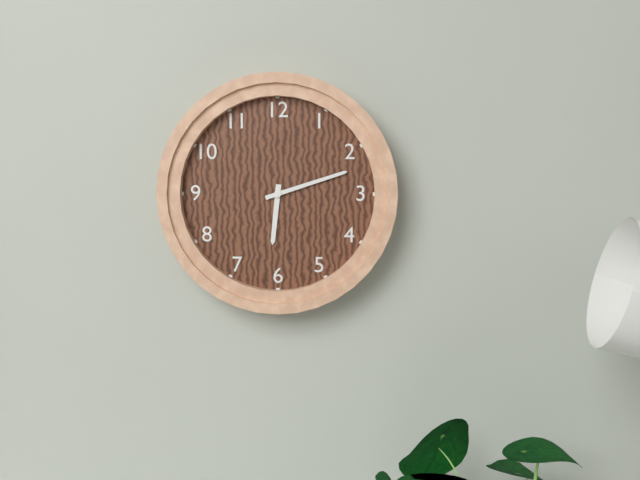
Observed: 6h12
